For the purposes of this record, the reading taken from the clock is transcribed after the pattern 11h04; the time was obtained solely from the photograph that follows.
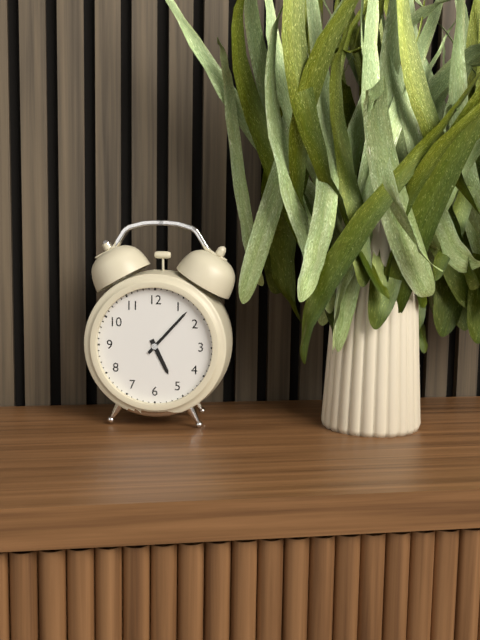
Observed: 5h07
